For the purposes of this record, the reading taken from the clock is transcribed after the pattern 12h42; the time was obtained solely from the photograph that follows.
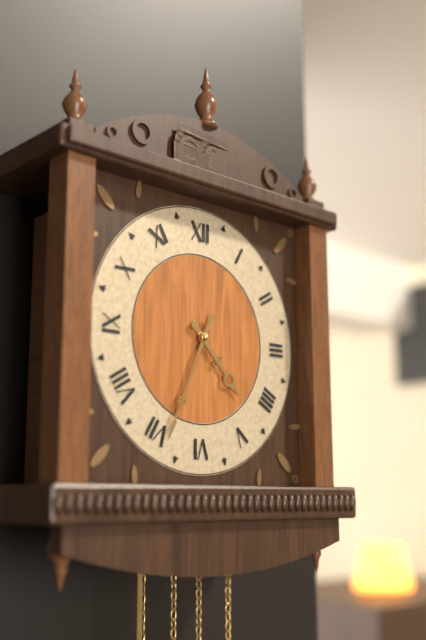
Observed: 4h34
